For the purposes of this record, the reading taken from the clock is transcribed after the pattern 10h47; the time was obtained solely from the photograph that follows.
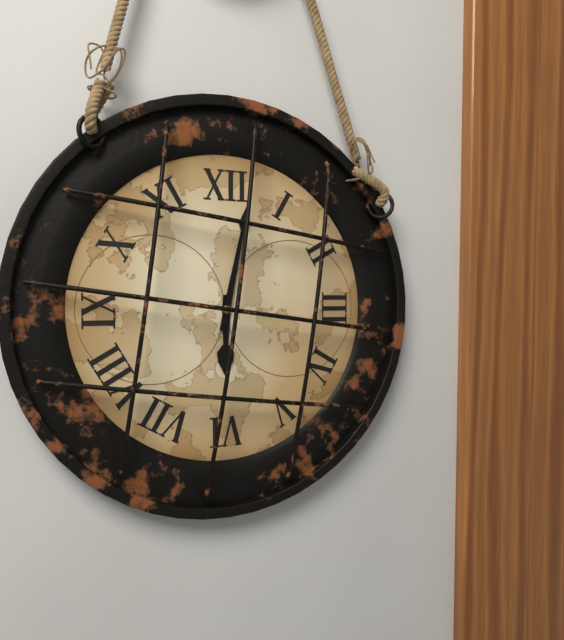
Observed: 6h02
